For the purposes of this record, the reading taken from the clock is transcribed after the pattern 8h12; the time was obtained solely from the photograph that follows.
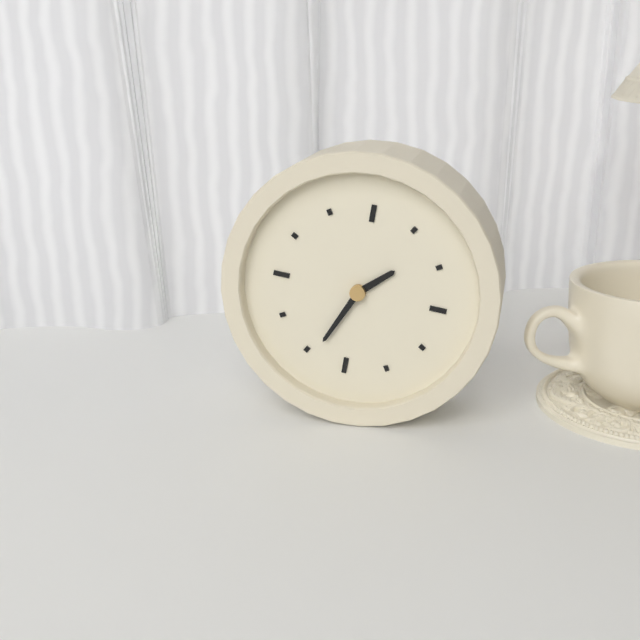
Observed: 1h34
